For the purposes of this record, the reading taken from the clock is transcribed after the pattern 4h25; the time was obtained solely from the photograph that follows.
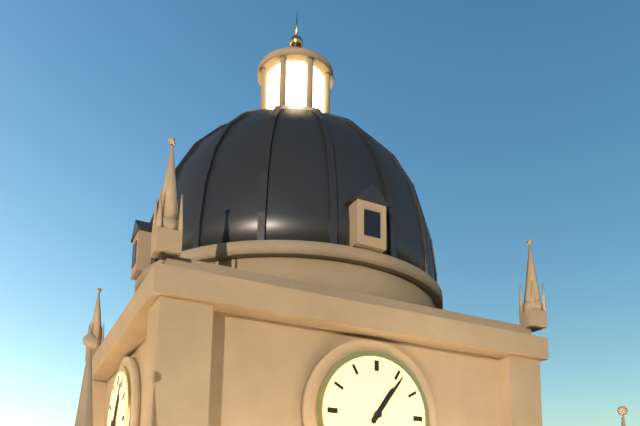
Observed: 1h06
